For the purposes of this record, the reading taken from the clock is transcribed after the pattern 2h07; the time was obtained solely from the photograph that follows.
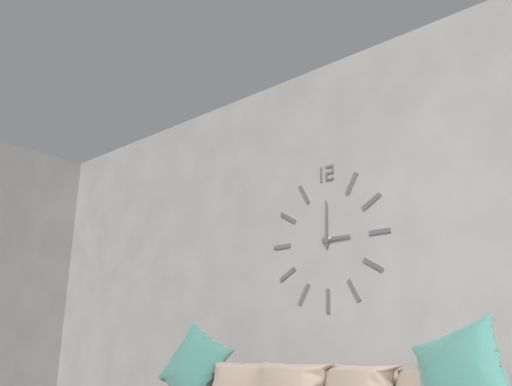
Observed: 3h00
